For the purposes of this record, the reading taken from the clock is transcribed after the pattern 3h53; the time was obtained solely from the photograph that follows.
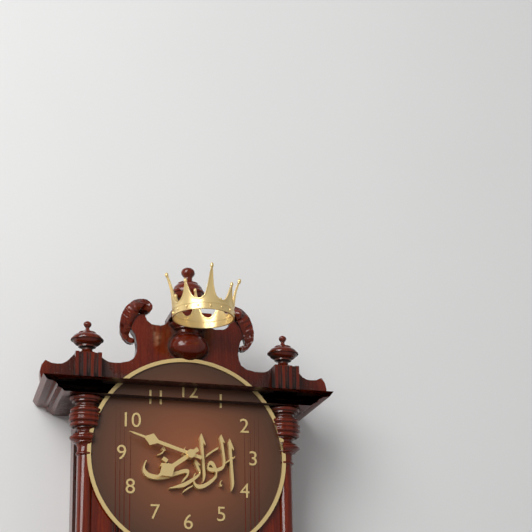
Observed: 7h48
